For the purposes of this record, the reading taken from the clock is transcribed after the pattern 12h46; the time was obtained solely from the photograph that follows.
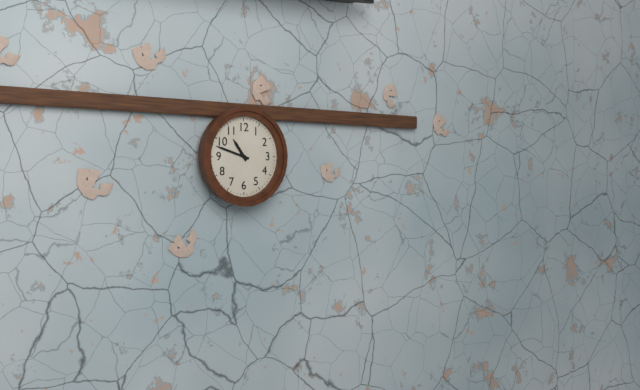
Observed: 10h48
